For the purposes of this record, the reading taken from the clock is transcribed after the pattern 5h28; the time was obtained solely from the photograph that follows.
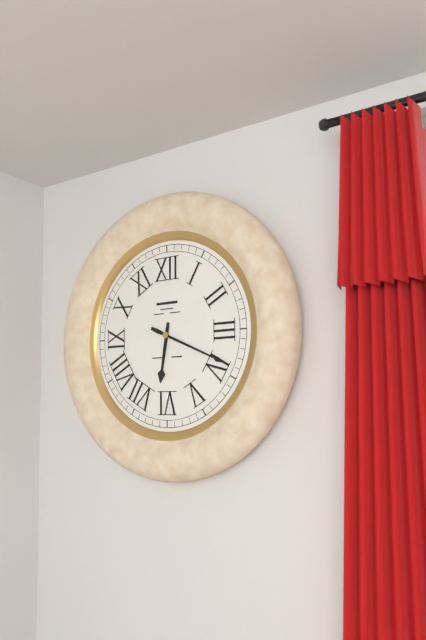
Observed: 6h19
